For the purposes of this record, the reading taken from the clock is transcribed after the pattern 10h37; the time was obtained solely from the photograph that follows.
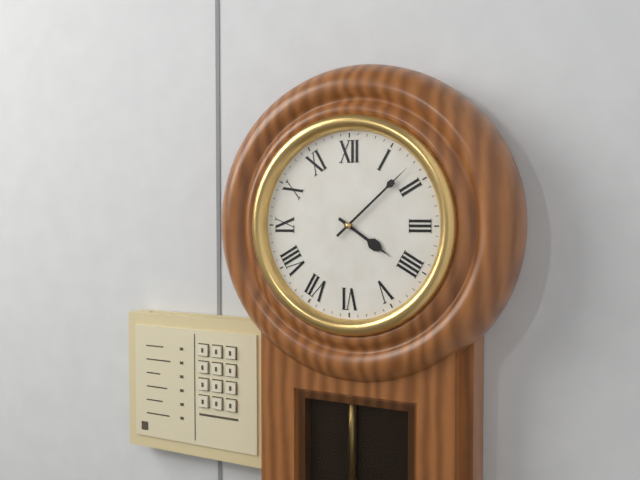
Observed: 4h08
